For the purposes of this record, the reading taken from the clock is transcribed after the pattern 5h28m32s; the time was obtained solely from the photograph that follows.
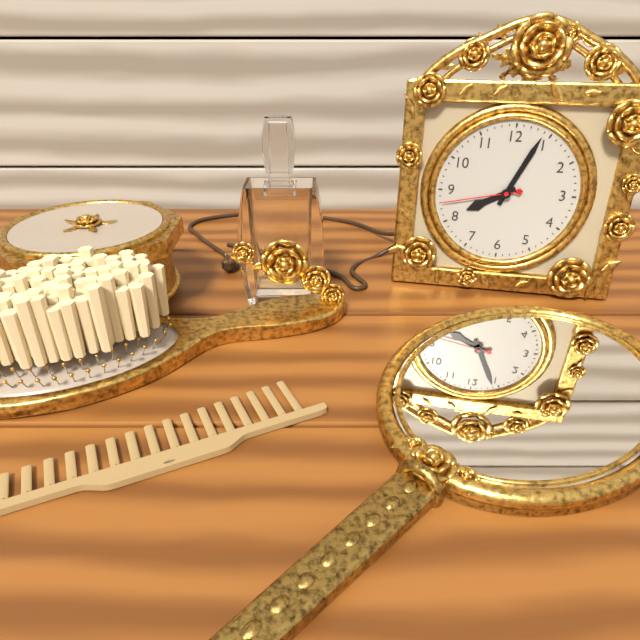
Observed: 8h04m43s
